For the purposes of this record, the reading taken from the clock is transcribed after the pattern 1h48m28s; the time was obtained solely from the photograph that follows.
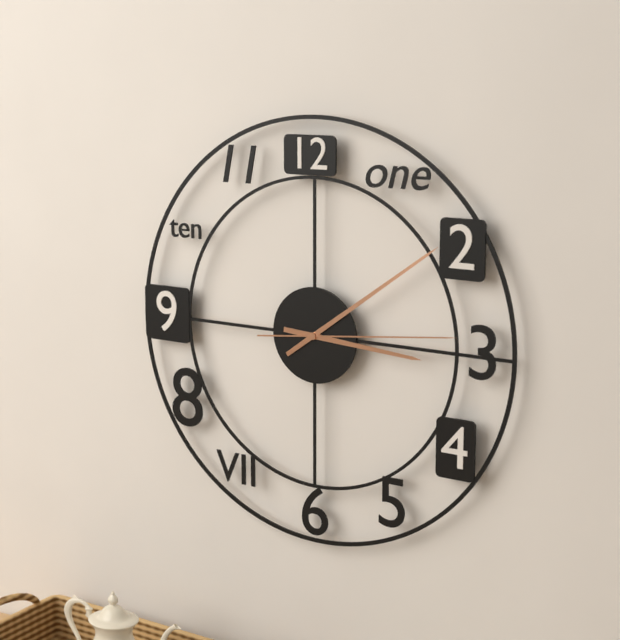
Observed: 3h09m14s
